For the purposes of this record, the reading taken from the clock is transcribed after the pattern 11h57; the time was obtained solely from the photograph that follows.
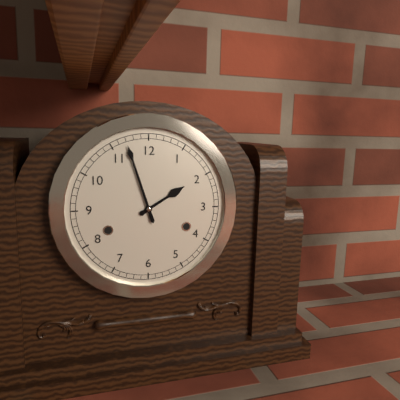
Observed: 1h57
